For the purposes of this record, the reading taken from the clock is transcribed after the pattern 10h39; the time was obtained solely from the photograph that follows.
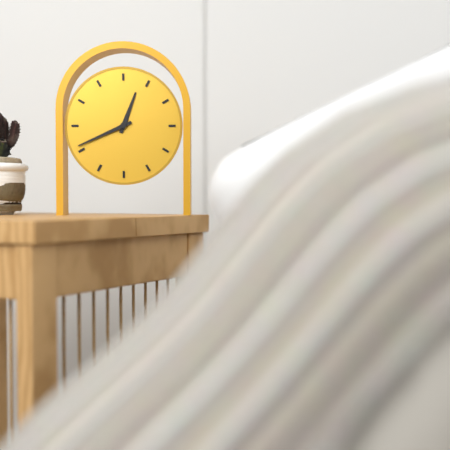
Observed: 12h41
